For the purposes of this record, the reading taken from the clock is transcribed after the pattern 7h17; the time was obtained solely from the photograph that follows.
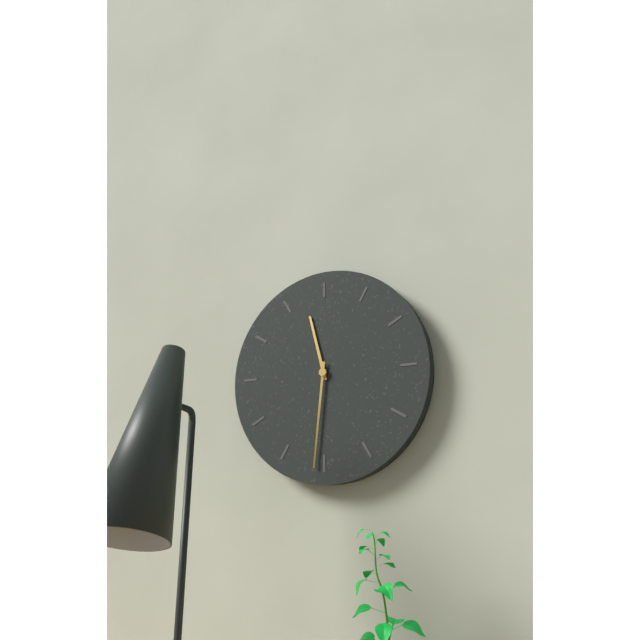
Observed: 11h31
